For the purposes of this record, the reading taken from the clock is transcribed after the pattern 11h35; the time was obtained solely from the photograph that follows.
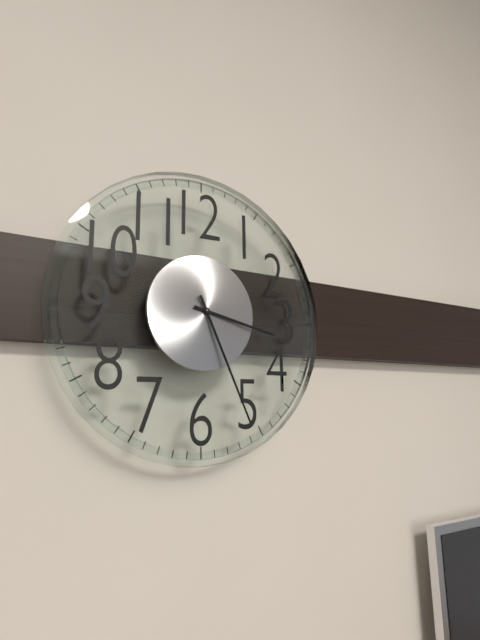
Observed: 3h26
